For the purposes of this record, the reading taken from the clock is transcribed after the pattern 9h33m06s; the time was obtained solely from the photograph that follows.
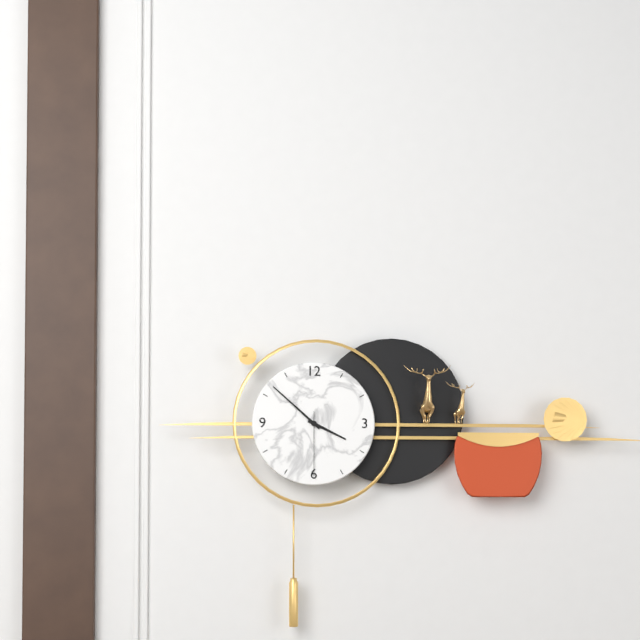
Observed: 3h52m30s
